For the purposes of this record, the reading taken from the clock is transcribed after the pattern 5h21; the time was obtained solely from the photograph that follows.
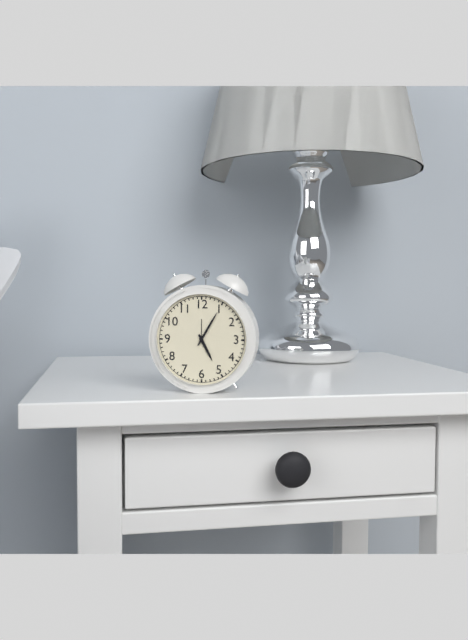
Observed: 5h05
